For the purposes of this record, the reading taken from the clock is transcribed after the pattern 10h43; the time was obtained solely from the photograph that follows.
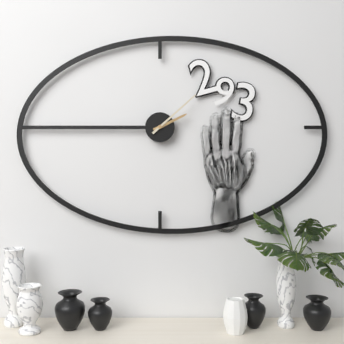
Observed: 2h08
